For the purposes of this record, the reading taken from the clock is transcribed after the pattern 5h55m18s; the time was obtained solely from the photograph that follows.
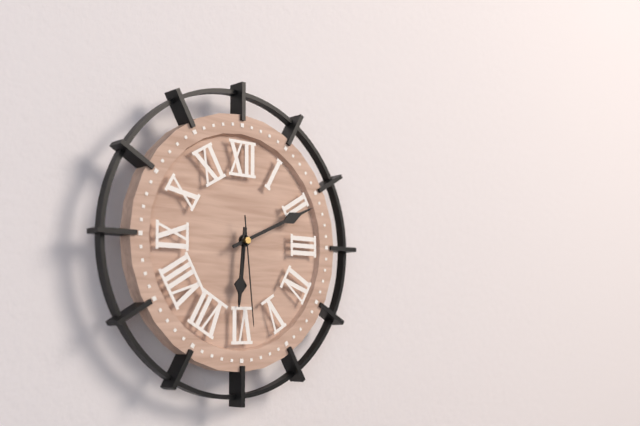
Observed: 6h11m29s
